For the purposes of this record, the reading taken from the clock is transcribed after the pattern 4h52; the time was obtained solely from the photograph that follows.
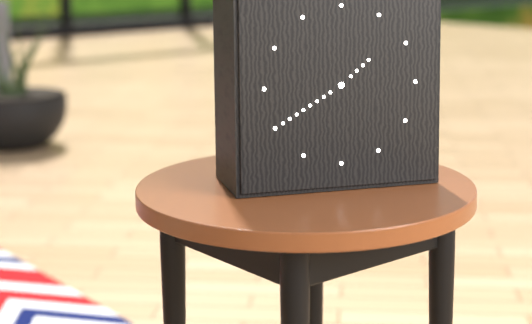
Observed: 1h40
